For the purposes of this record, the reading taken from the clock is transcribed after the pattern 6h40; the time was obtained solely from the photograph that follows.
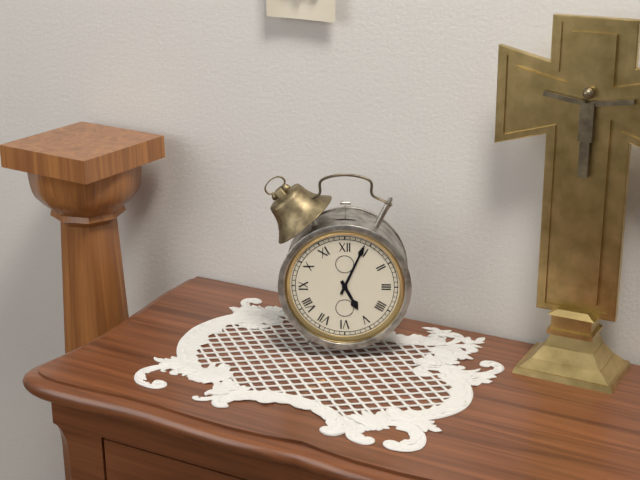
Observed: 5h04
